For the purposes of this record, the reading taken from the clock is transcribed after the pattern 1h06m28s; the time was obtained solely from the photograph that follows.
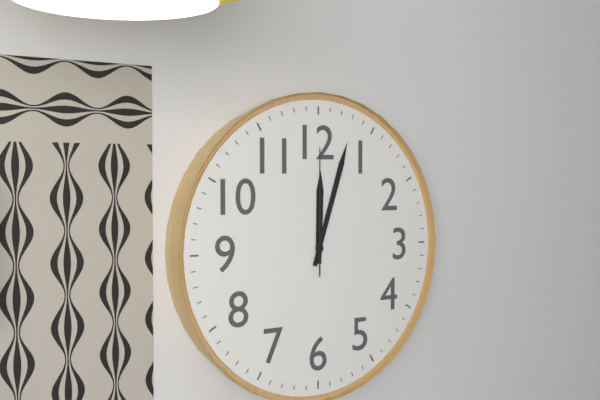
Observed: 12h03m00s
